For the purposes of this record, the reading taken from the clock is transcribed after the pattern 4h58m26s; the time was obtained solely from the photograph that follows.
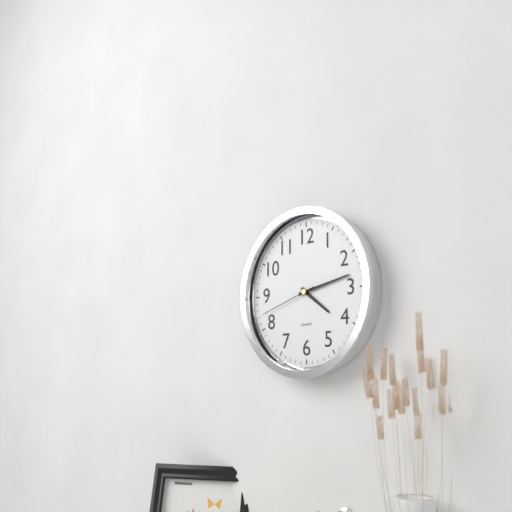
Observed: 4h13m42s
